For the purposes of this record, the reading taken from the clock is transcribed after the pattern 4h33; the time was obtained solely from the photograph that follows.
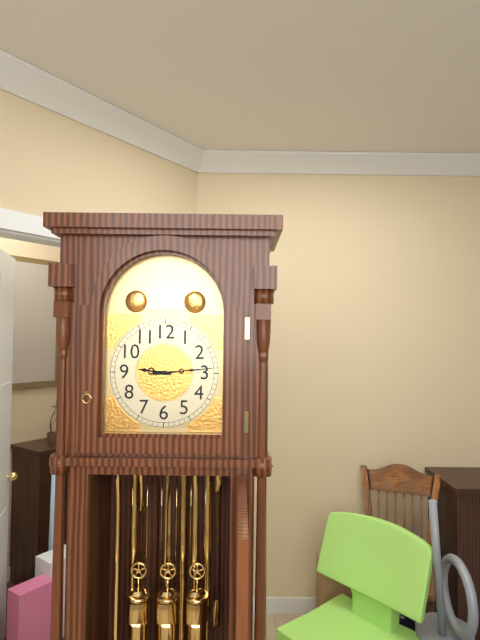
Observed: 9h14
